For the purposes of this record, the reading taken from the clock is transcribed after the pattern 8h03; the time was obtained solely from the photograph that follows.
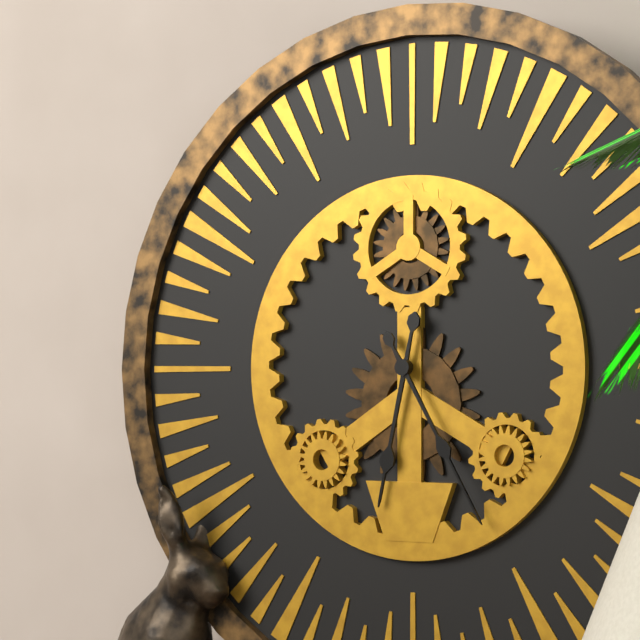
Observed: 6h25
